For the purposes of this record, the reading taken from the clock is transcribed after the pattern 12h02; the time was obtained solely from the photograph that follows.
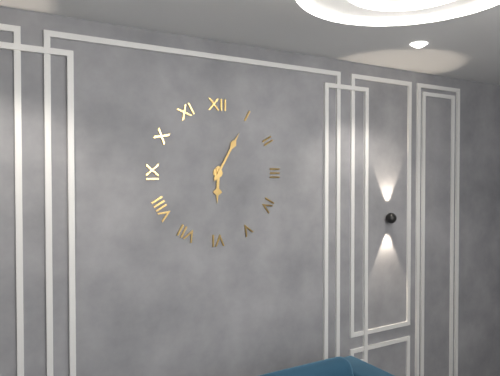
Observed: 6h05
